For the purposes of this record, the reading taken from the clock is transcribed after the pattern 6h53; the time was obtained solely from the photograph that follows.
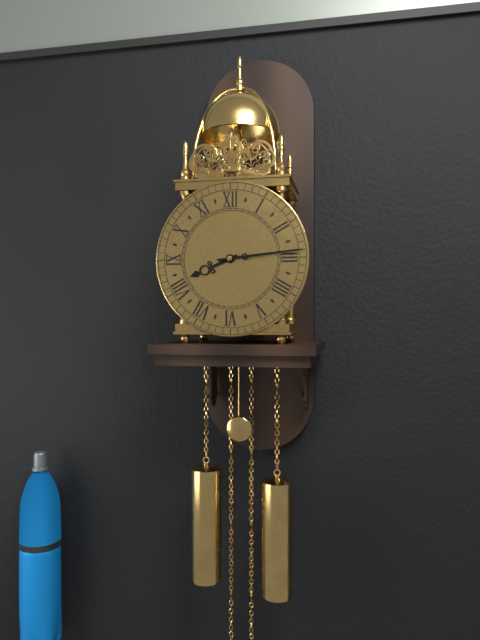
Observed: 8h14
